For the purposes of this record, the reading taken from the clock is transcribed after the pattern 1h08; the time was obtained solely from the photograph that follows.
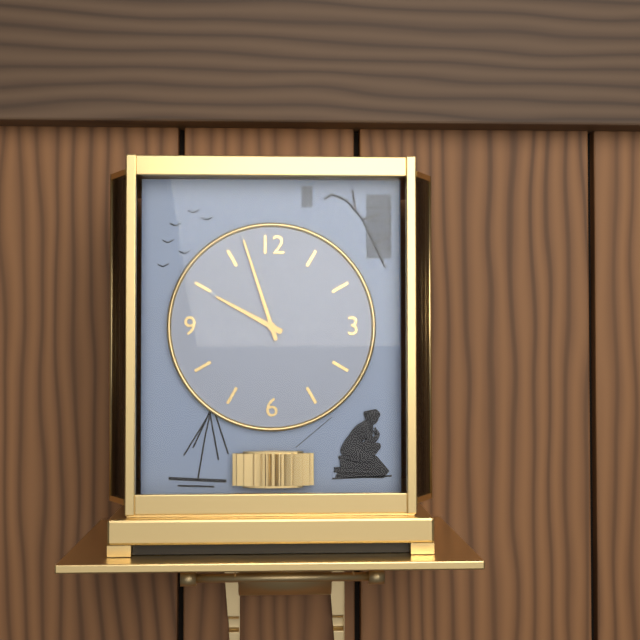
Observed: 9h57
